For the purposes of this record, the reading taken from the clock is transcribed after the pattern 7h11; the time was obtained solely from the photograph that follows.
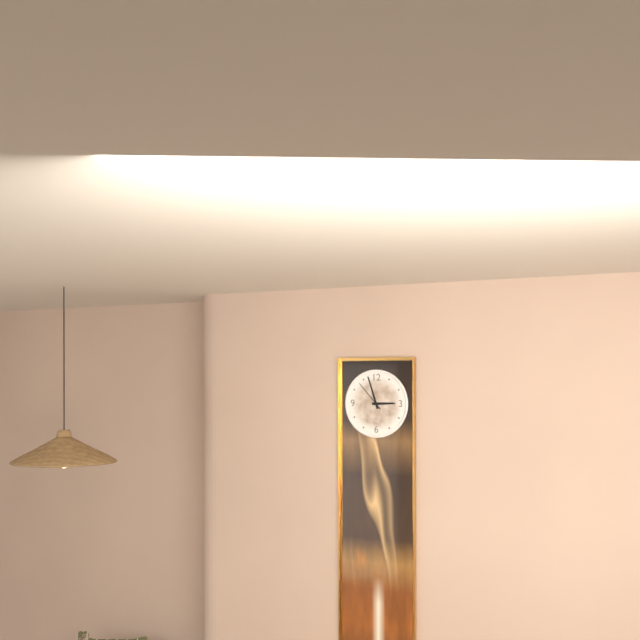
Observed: 2h57
